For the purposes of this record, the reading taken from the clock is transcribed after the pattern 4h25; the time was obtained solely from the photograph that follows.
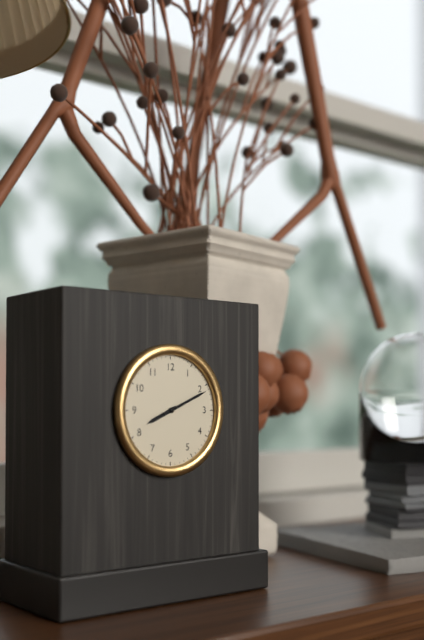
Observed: 8h11
